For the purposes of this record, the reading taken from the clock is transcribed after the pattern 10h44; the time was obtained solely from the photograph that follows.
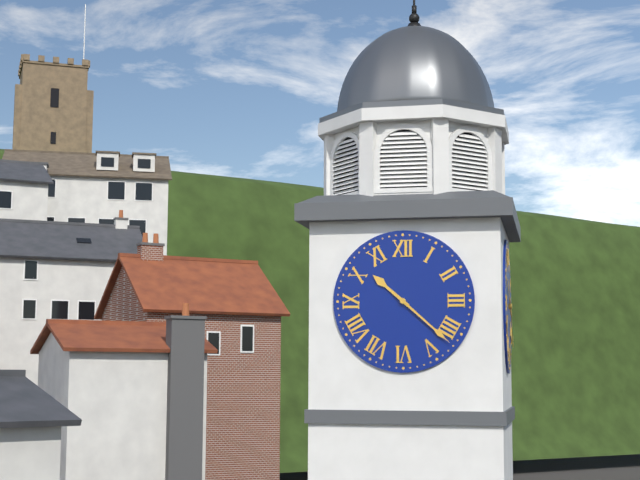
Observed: 10h22
